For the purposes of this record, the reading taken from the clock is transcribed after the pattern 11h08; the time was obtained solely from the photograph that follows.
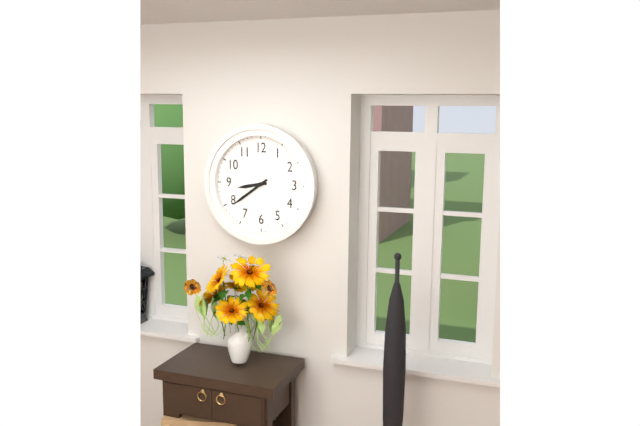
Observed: 8h39
